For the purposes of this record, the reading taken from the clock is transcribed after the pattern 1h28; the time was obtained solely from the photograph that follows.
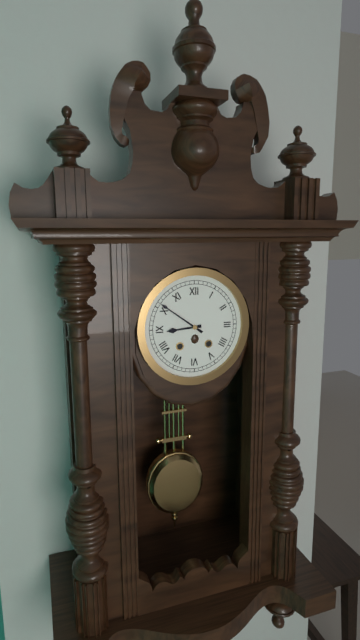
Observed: 8h51
